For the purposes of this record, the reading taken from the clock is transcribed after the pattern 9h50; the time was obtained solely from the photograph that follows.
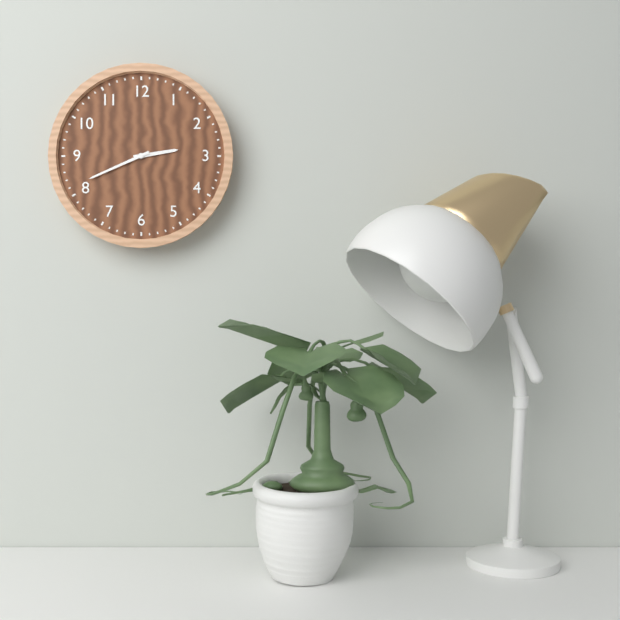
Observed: 2h41
